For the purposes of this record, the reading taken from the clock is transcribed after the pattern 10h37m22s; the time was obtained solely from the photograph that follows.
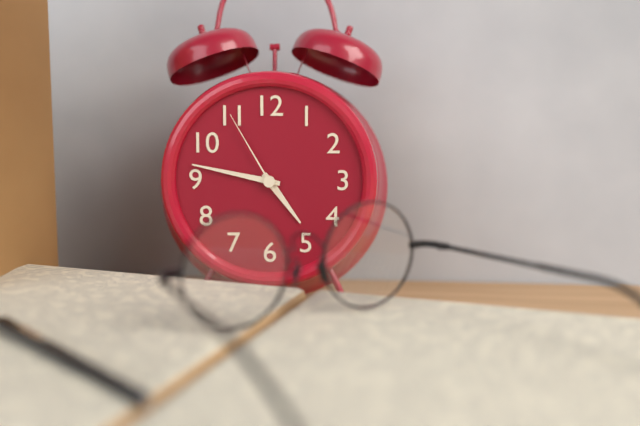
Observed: 4h47m55s
